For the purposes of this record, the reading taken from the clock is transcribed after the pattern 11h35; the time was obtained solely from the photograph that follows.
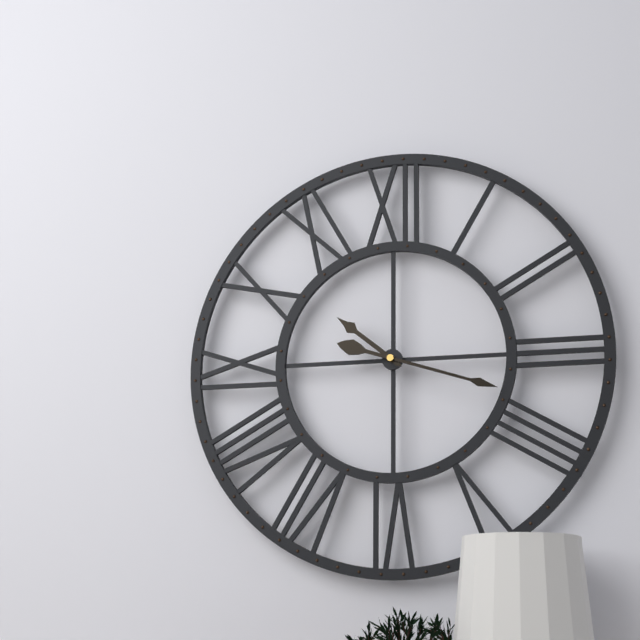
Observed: 10h18
